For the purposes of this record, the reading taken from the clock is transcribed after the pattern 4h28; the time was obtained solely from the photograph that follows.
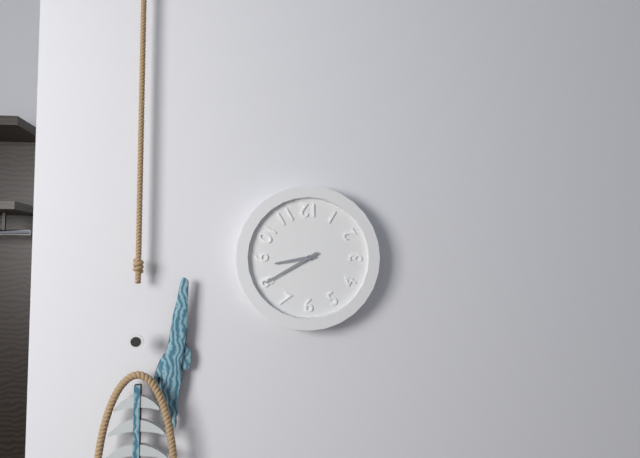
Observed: 8h40
